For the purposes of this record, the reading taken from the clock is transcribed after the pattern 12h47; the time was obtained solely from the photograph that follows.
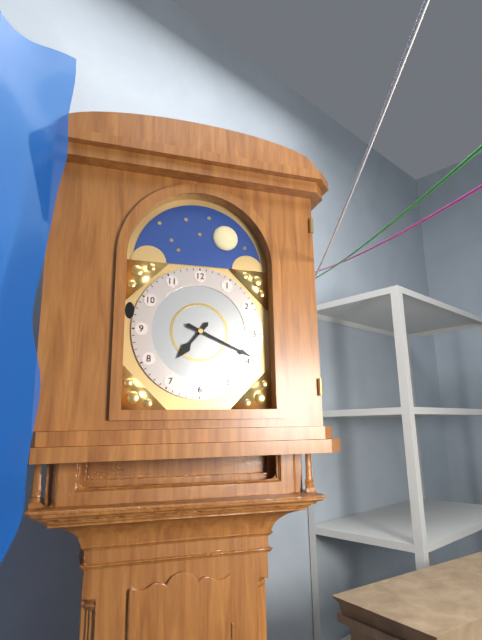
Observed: 7h19
